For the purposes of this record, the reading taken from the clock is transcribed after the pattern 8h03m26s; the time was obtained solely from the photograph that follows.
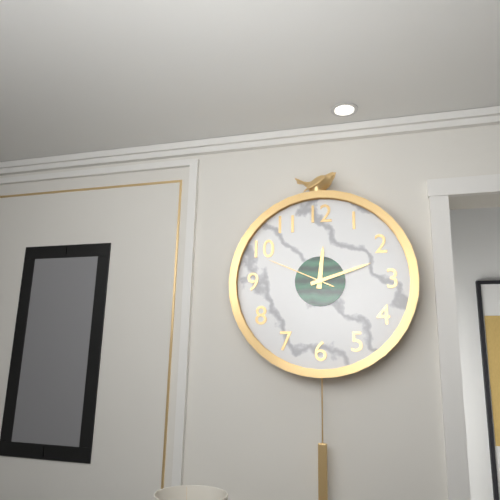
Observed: 12h12m49s
